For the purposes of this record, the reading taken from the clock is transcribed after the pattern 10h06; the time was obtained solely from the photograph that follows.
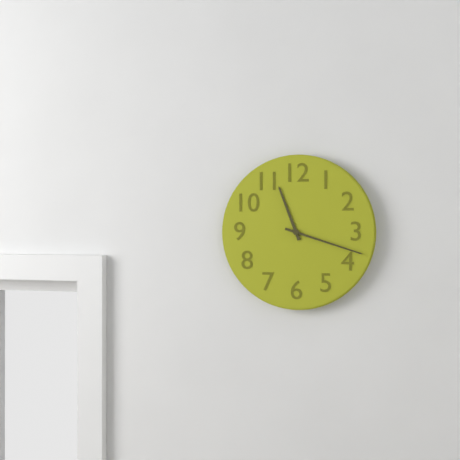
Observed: 11h18
